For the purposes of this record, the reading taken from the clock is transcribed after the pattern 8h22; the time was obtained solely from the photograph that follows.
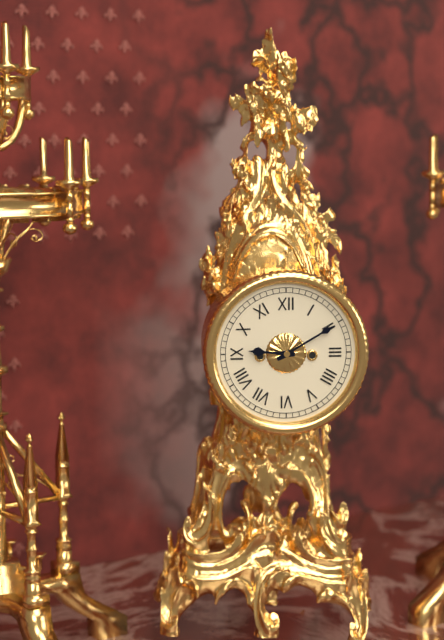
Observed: 9h10
